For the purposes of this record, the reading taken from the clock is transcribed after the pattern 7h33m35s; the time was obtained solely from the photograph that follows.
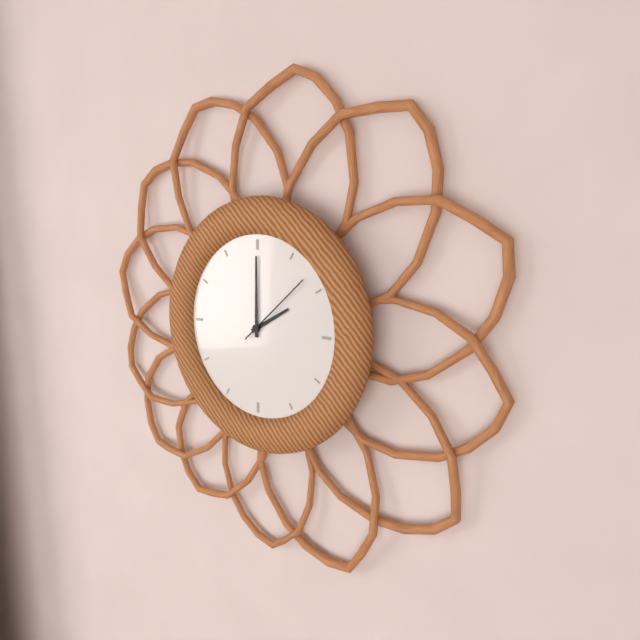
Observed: 2h00m08s
